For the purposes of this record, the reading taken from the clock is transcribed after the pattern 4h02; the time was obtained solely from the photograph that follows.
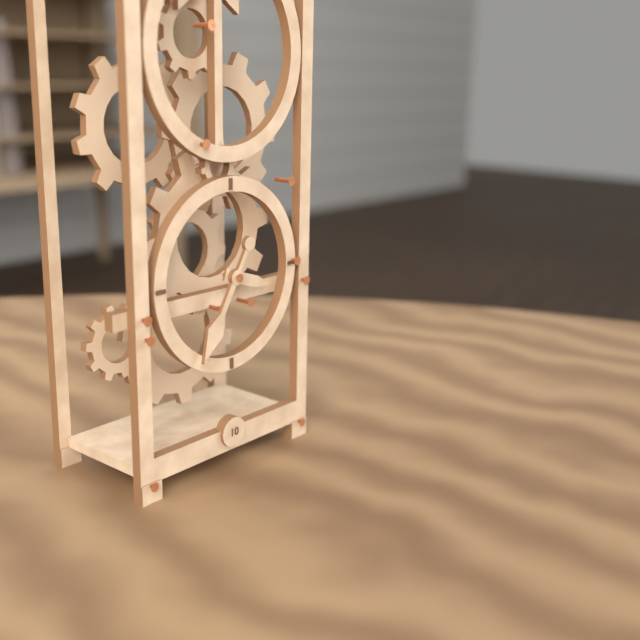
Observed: 3h35
